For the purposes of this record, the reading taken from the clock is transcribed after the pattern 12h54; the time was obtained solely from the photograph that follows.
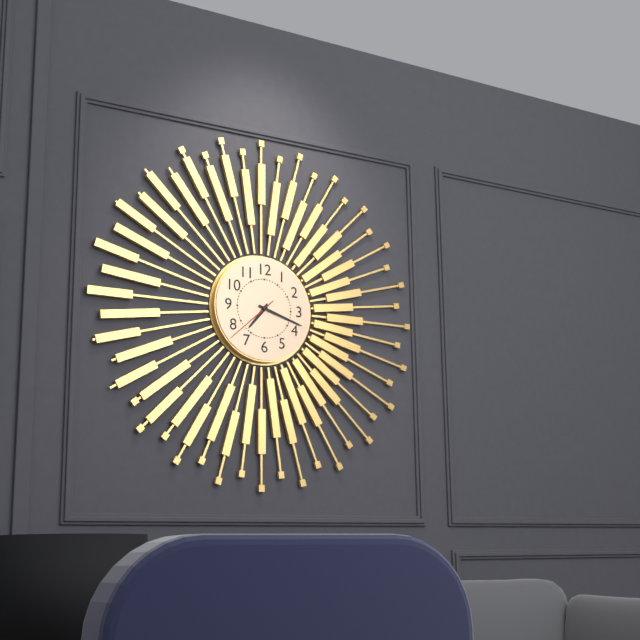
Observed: 7h18
